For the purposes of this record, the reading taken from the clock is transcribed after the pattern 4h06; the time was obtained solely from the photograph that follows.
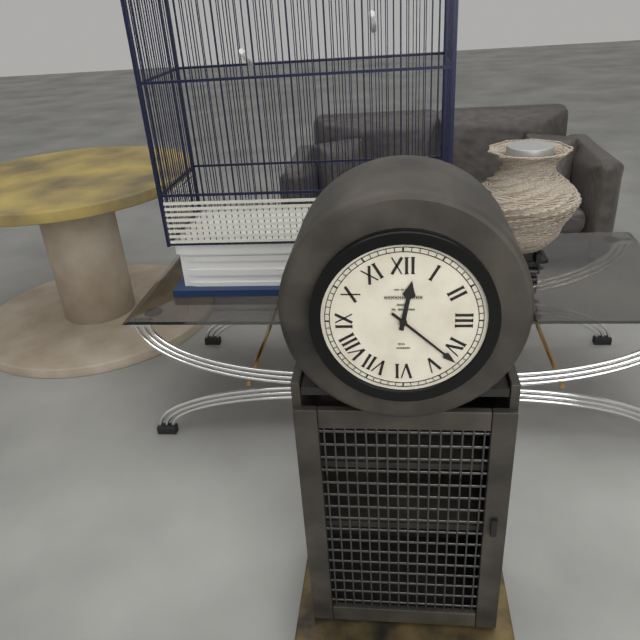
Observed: 12h22
